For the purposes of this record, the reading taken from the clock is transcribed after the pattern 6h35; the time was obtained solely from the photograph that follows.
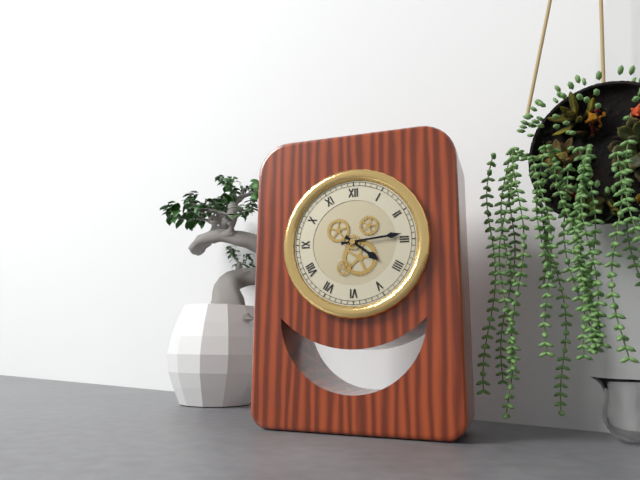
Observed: 4h14
